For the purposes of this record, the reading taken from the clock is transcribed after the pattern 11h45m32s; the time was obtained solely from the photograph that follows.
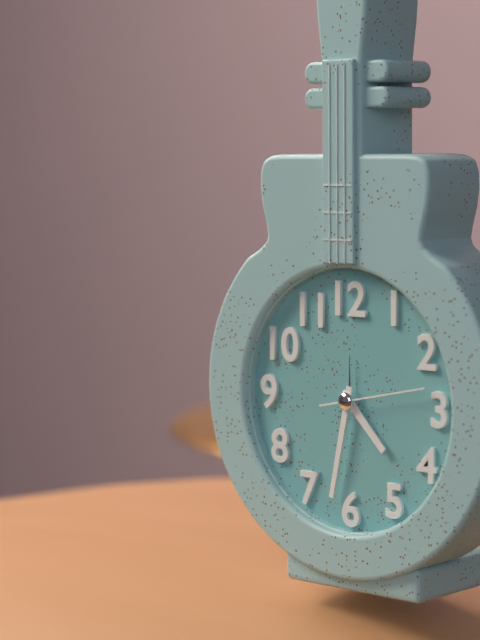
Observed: 4h32m13s
